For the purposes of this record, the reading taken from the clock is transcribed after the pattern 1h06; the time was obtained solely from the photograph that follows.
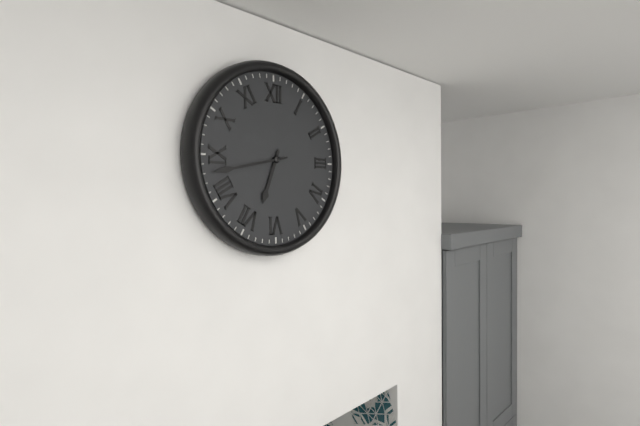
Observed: 6h43
